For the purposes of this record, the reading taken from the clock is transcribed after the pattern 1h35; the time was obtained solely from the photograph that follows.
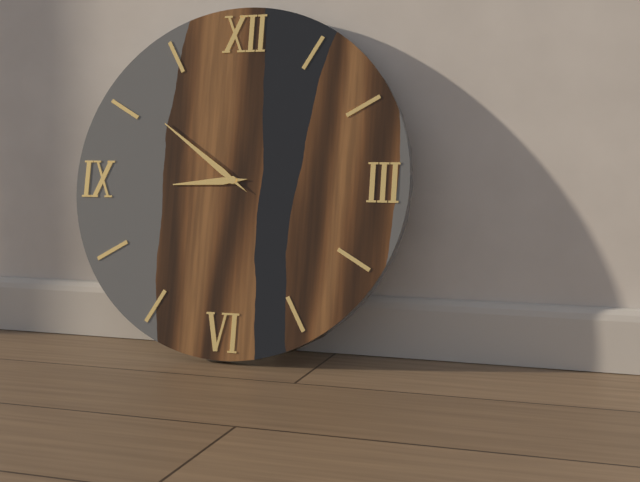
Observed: 8h51
